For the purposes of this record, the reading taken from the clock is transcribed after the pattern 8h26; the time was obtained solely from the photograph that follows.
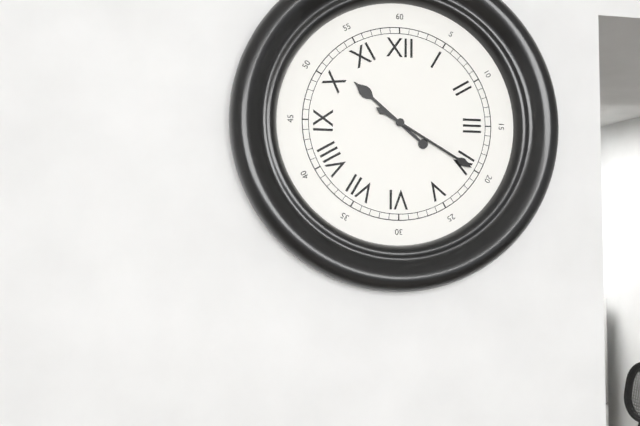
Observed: 10h20
